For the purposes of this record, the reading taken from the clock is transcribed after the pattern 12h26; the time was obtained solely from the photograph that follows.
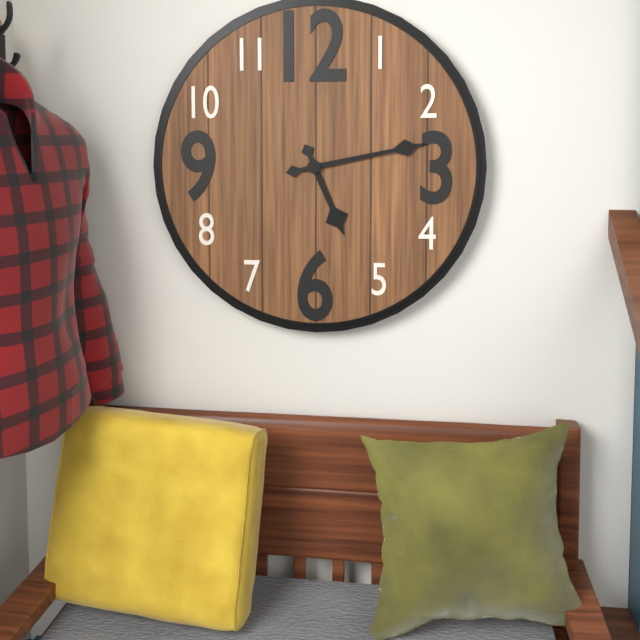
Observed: 5h13
